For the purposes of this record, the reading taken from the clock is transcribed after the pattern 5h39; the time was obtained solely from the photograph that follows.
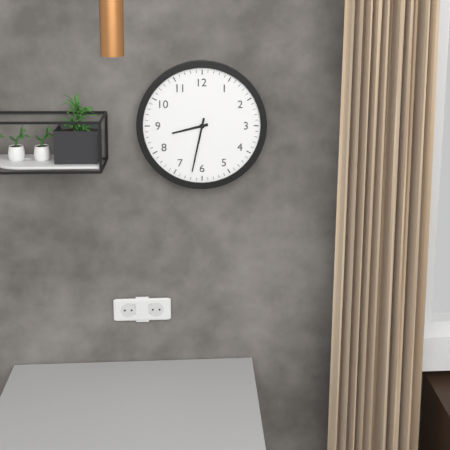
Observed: 8h32
